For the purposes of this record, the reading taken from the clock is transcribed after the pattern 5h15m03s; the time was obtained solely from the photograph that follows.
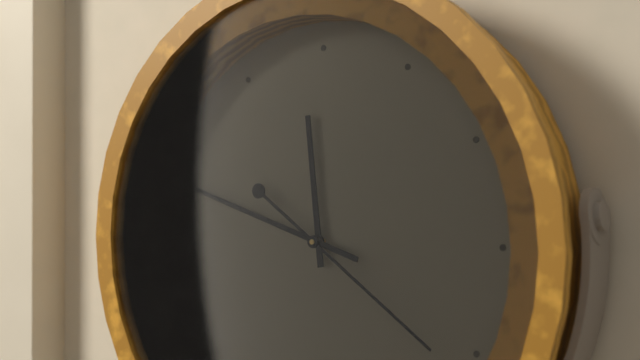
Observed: 11h48m21s
